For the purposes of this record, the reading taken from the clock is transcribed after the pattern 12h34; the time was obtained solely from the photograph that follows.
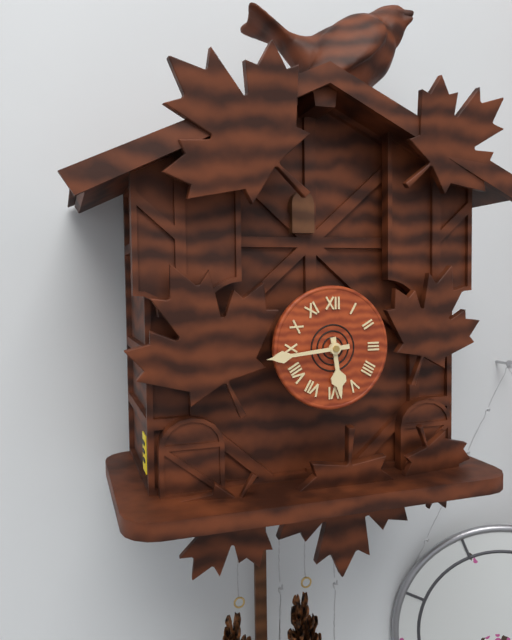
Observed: 5h44
